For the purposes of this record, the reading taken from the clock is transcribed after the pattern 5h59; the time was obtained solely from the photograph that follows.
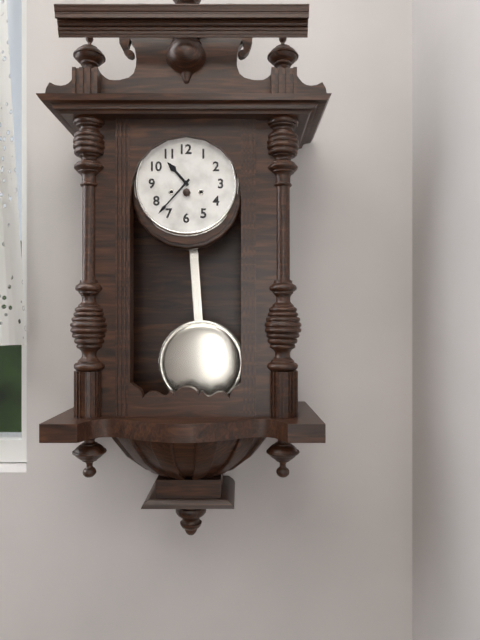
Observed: 10h37
